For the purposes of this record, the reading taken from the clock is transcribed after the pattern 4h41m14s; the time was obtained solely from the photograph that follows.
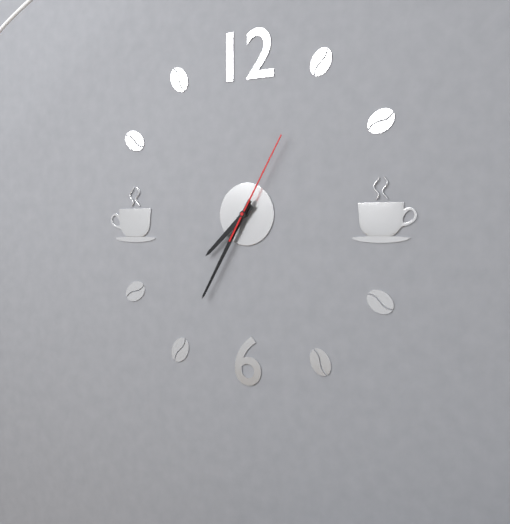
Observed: 7h35m05s
